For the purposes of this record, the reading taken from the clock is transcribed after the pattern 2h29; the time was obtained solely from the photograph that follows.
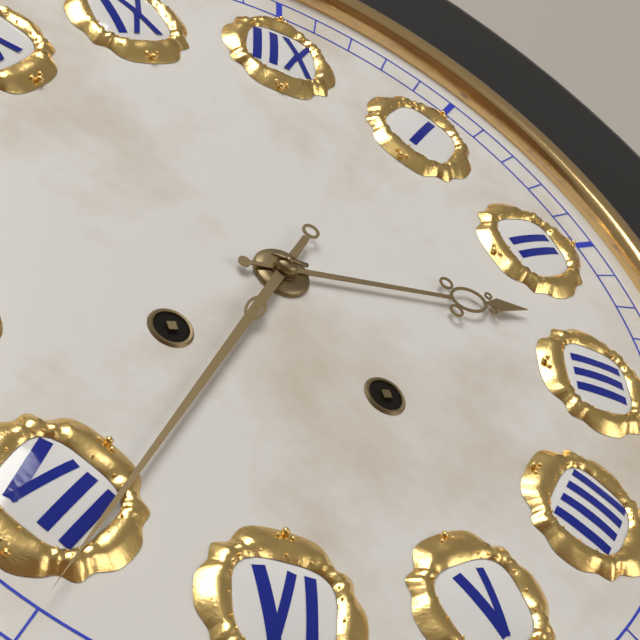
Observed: 2h34
